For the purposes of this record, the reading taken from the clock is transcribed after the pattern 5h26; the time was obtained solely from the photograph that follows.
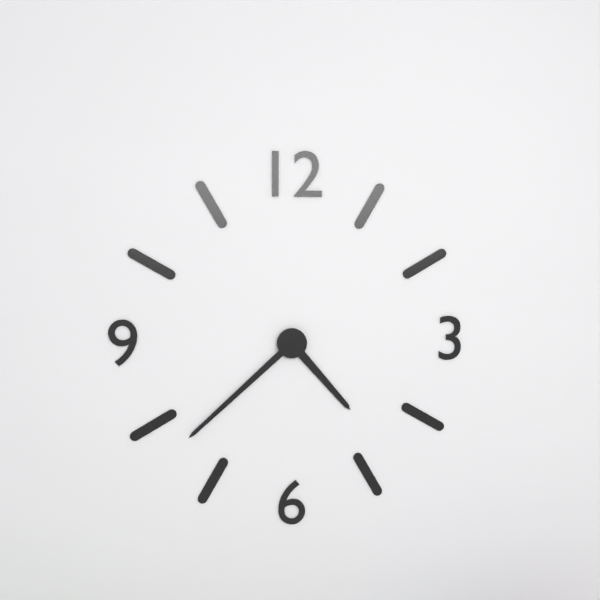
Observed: 4h38
